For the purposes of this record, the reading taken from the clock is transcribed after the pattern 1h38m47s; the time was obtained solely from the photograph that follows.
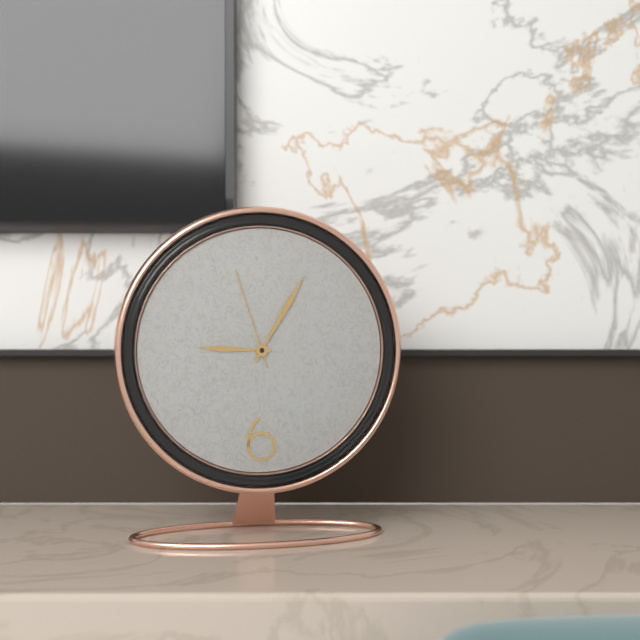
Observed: 9h05m57s
